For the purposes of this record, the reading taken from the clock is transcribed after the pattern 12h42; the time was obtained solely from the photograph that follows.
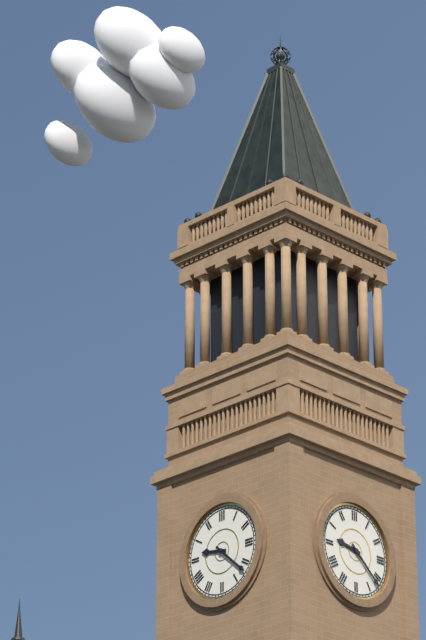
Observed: 9h22
